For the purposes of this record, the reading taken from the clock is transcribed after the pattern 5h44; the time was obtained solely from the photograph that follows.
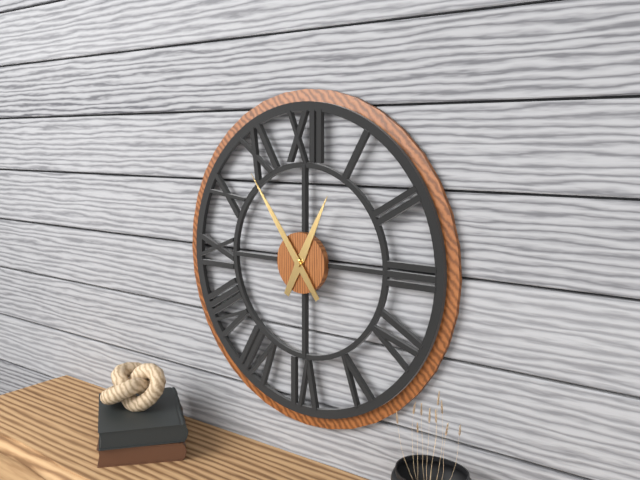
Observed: 12h54
